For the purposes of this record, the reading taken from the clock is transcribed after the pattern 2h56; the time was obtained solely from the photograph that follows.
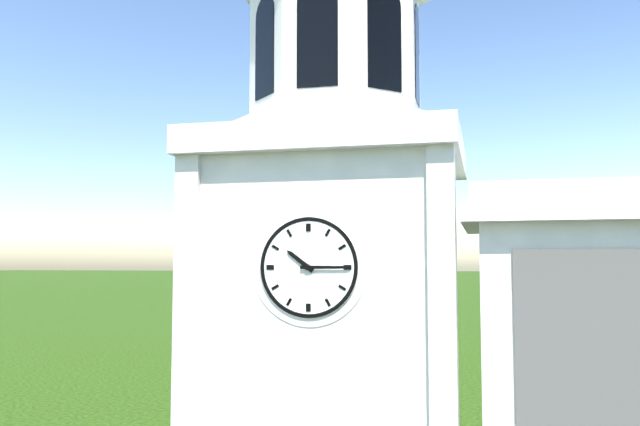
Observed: 10h15
